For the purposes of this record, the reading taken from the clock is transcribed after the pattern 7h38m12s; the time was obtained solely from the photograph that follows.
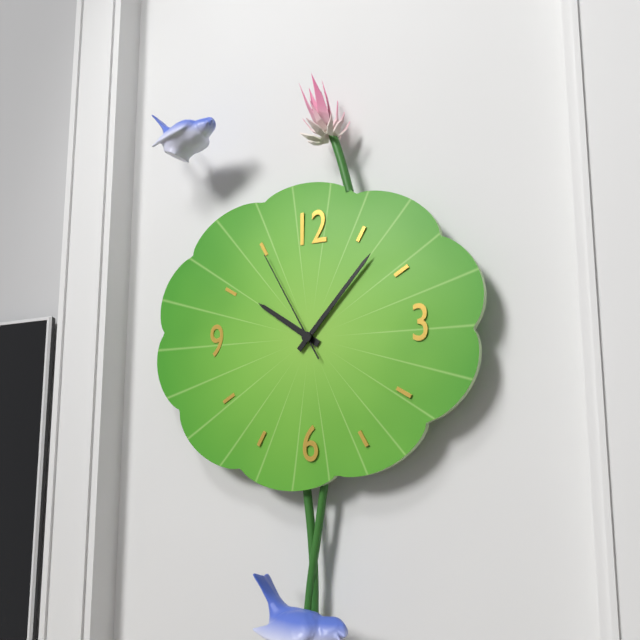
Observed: 10h07m55s
